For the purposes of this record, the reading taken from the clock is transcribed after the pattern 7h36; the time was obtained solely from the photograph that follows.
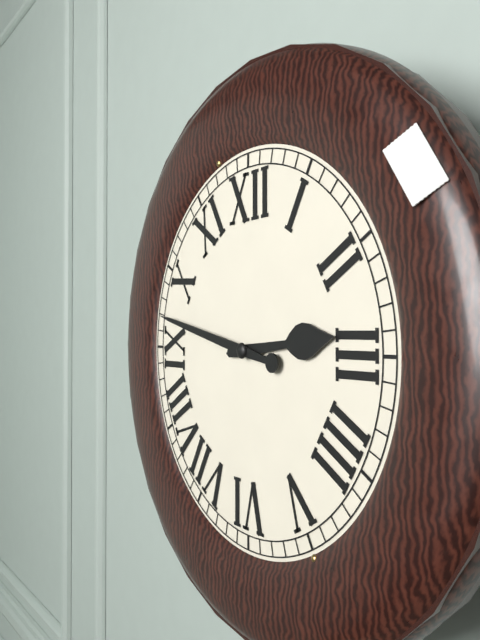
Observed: 2h47
